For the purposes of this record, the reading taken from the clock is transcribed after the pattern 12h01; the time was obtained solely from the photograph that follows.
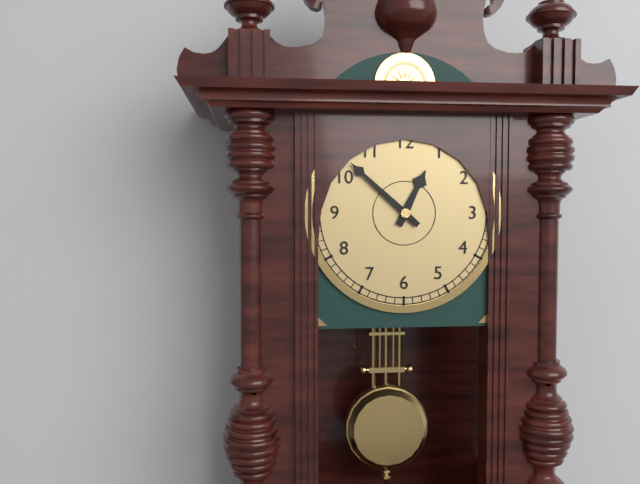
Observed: 12h52
